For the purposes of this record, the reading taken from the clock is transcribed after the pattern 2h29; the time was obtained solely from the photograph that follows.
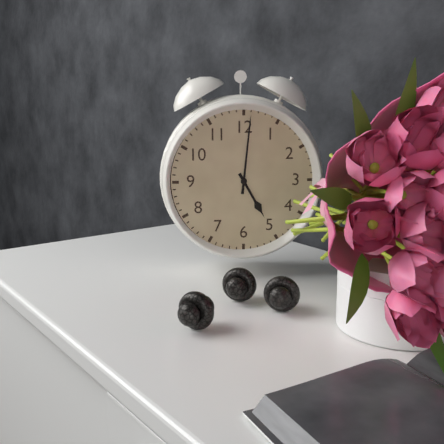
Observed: 5h01
